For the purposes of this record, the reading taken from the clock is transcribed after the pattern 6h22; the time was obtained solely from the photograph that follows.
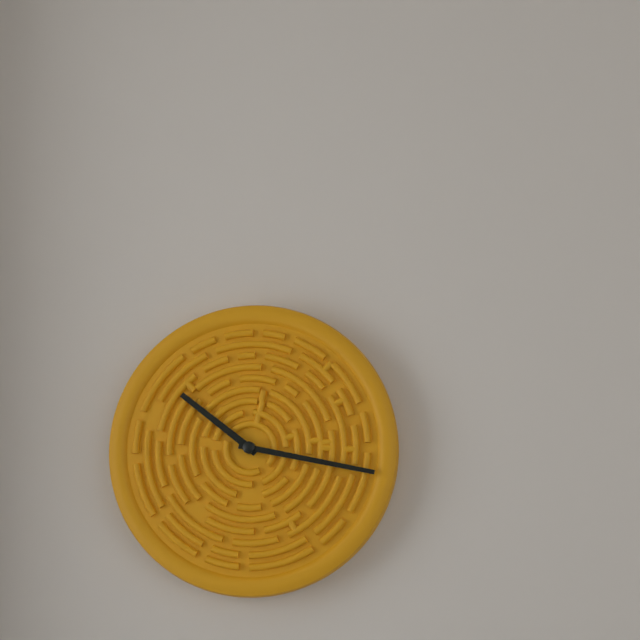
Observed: 10h17
